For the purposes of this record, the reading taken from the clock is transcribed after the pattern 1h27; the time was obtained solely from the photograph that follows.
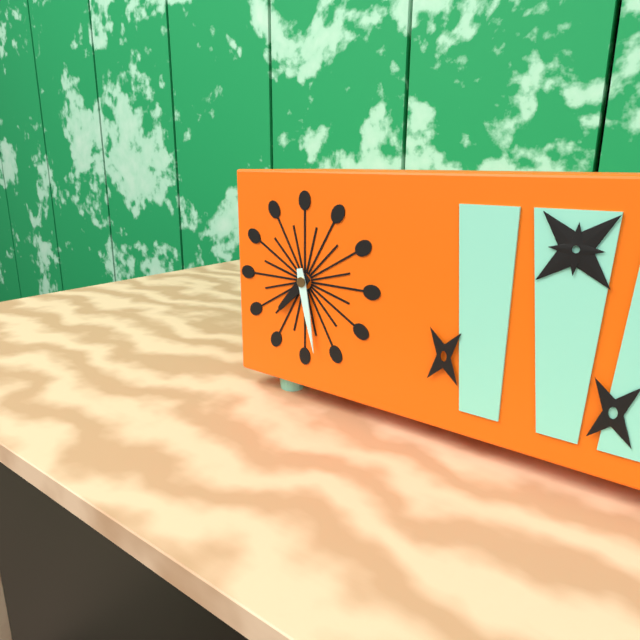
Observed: 7h28
